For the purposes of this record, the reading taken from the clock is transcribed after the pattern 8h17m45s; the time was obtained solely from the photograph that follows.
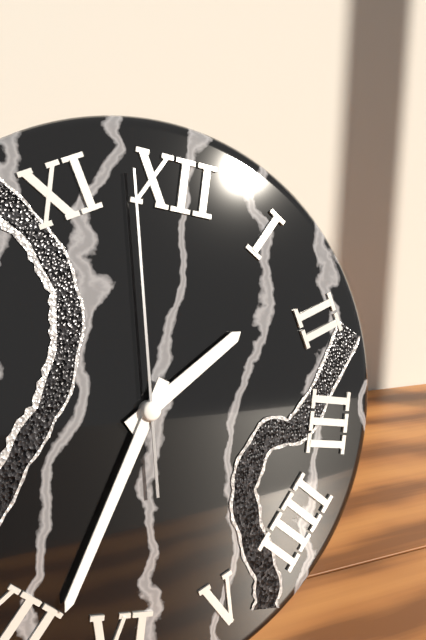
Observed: 1h33m58s
